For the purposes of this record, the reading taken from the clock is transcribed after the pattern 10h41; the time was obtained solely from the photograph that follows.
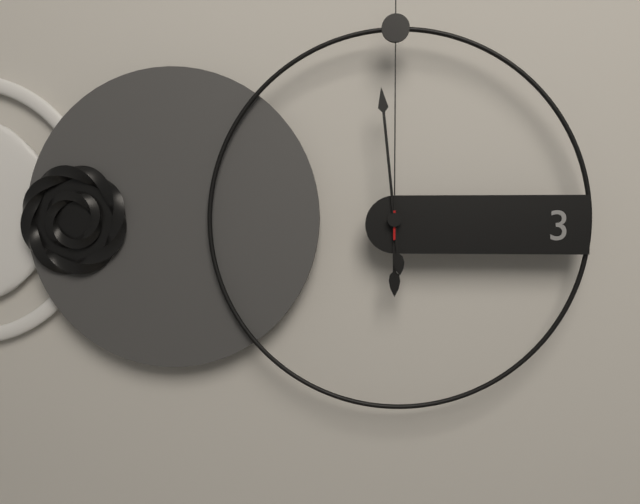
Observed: 5h59
